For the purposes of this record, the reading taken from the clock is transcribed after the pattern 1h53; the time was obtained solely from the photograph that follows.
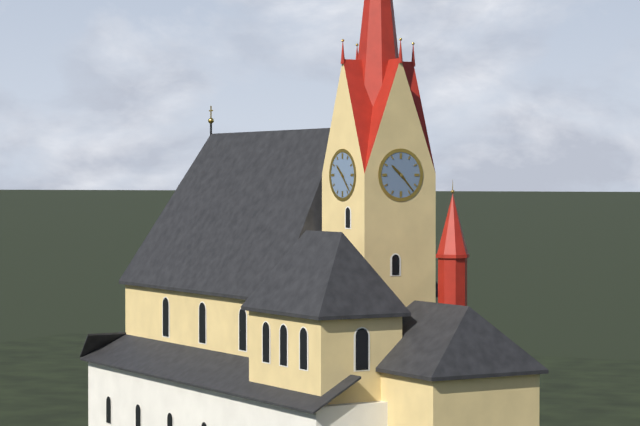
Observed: 10h23
